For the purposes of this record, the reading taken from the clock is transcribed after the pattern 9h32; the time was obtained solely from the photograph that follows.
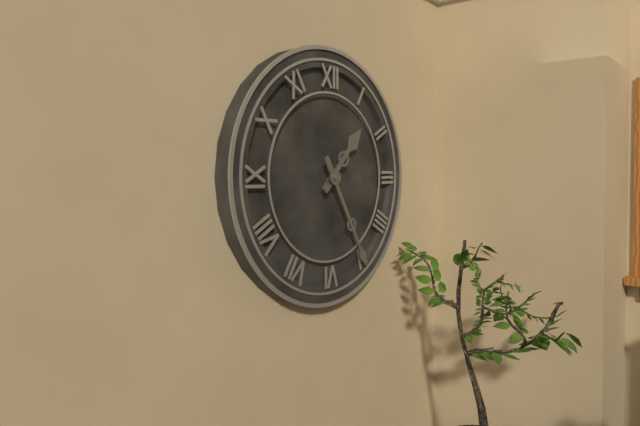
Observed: 1h25
